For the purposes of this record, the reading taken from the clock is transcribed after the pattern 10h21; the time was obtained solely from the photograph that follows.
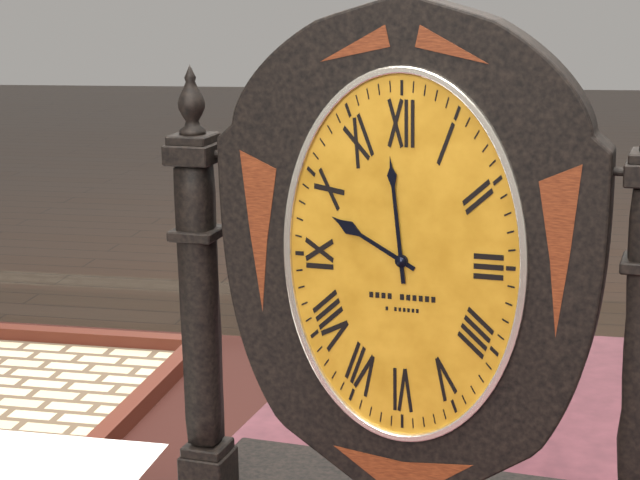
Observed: 9h59
